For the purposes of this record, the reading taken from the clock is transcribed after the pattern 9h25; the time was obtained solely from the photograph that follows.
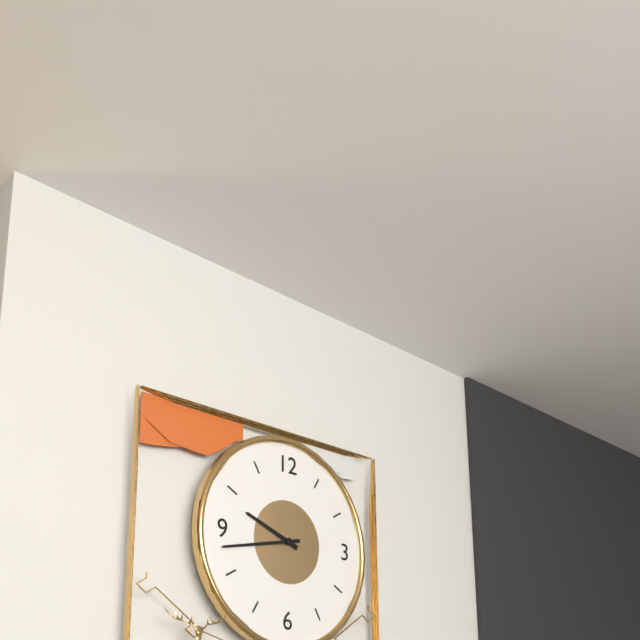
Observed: 9h43
